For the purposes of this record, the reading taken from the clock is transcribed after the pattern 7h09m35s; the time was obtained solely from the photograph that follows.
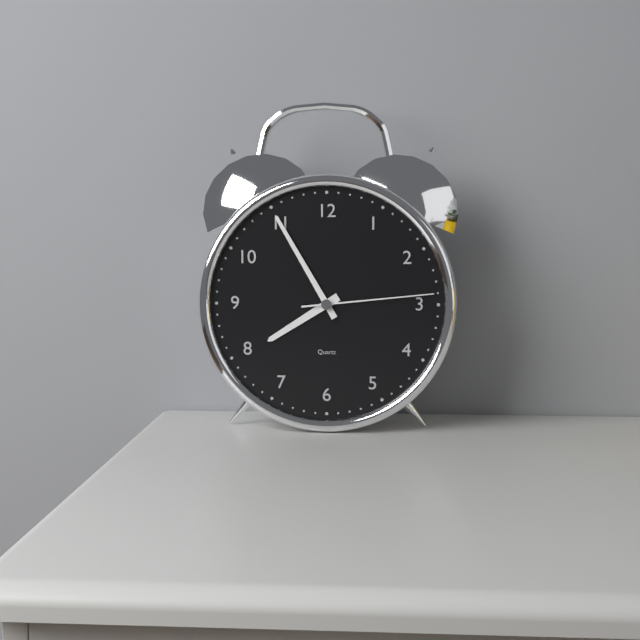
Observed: 7h55m14s
